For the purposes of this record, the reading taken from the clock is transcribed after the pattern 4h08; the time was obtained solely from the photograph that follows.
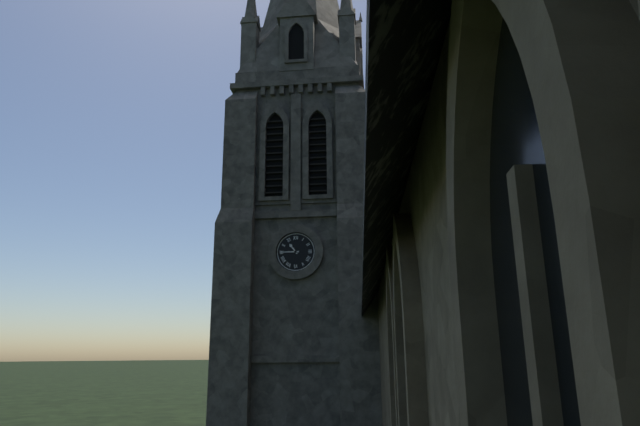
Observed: 10h45
